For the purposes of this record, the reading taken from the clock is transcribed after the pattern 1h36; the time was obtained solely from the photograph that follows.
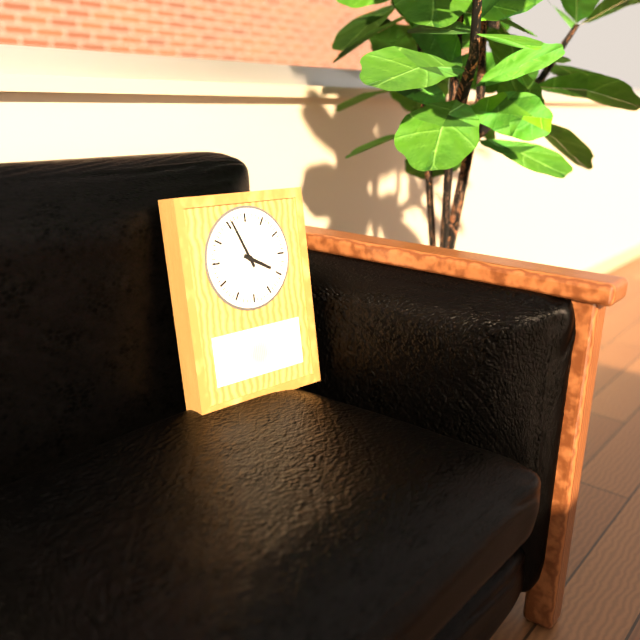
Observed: 3h56
